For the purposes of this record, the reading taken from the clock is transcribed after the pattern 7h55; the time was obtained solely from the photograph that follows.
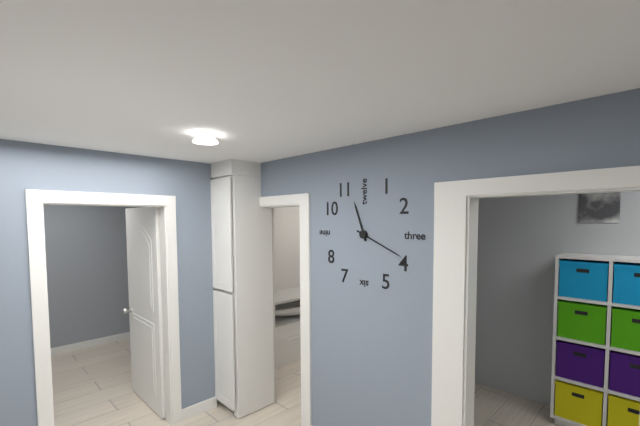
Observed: 11h19
